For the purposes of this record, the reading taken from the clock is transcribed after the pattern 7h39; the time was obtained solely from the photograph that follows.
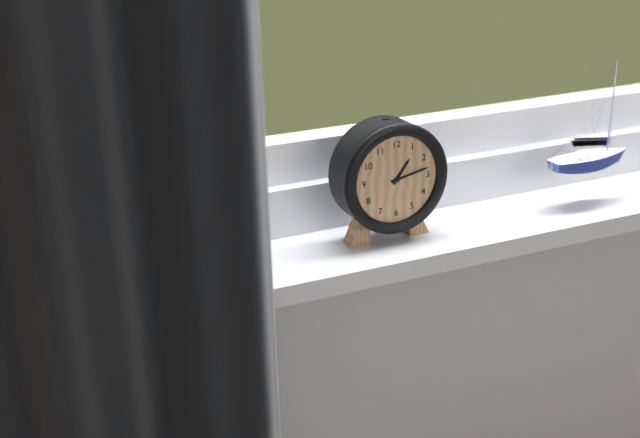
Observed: 1h13
